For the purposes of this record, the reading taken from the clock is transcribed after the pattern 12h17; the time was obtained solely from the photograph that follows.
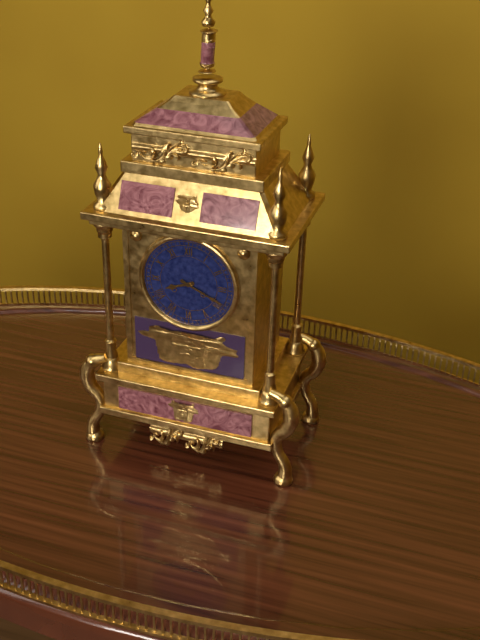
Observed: 8h19
